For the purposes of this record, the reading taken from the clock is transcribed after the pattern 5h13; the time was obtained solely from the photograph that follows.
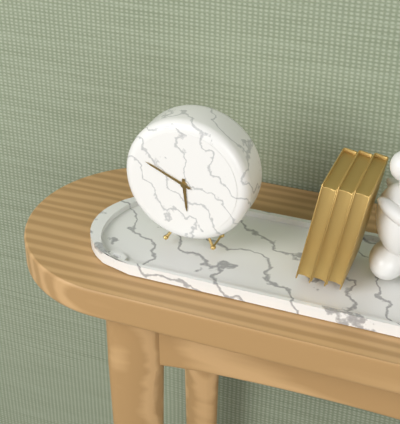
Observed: 5h49
